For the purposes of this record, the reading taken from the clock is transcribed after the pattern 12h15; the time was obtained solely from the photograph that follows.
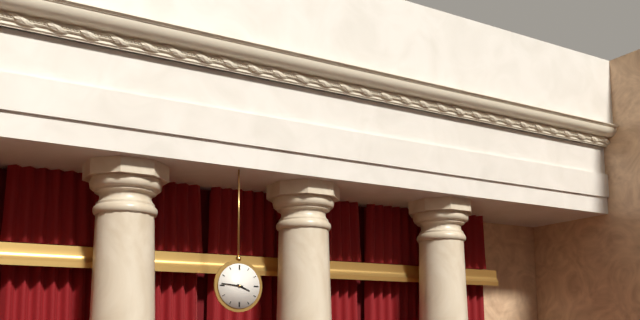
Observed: 3h46
